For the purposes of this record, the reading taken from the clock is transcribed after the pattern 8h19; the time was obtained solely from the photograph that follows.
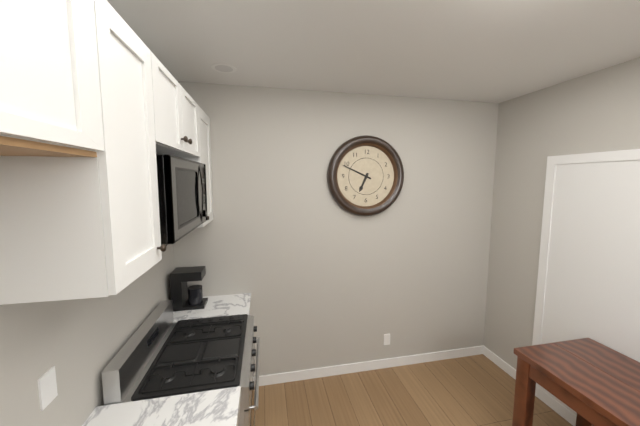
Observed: 6h49
